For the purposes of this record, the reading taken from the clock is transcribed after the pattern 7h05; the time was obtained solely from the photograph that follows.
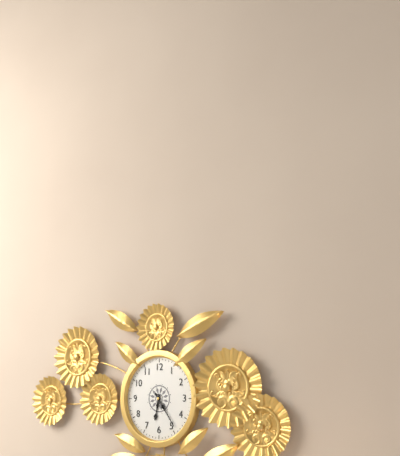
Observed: 6h24
